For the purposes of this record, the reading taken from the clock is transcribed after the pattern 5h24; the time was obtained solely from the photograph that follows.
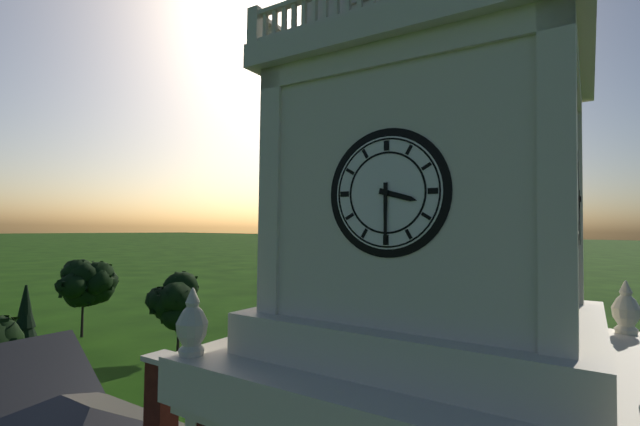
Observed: 3h30
